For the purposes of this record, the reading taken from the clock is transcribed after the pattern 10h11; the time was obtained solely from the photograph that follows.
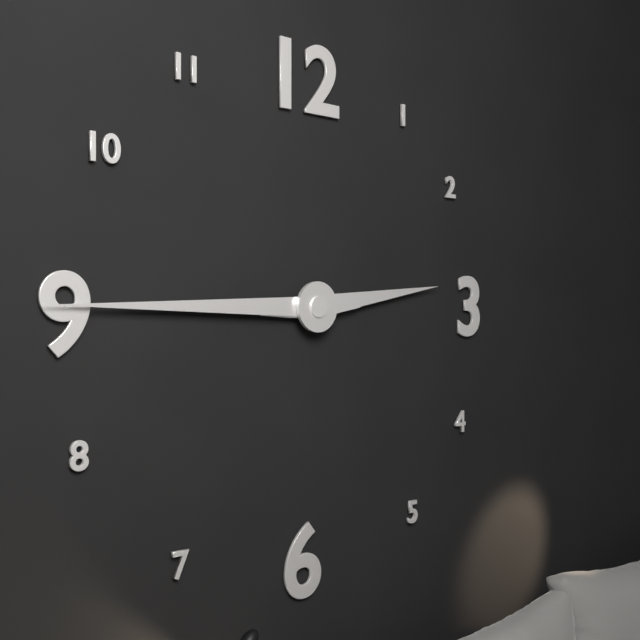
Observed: 2h45
